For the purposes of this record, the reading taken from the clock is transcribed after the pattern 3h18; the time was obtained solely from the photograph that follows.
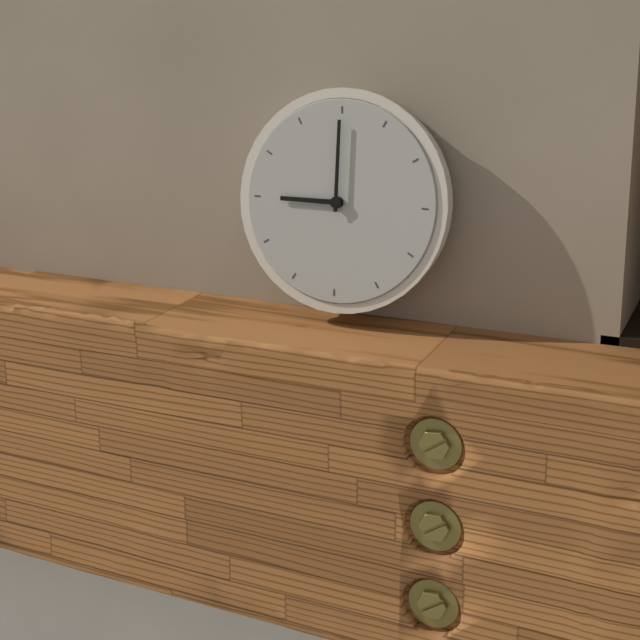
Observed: 9h00
